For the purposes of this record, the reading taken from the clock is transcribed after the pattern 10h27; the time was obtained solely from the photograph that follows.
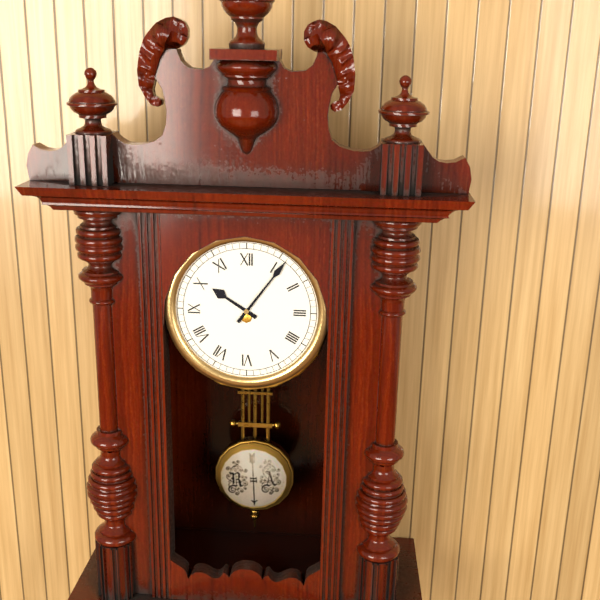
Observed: 10h06
